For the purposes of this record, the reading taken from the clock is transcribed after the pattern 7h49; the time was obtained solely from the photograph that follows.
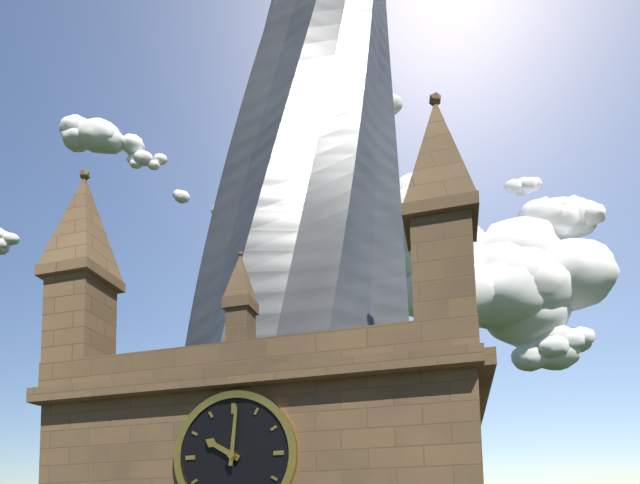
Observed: 10h01
